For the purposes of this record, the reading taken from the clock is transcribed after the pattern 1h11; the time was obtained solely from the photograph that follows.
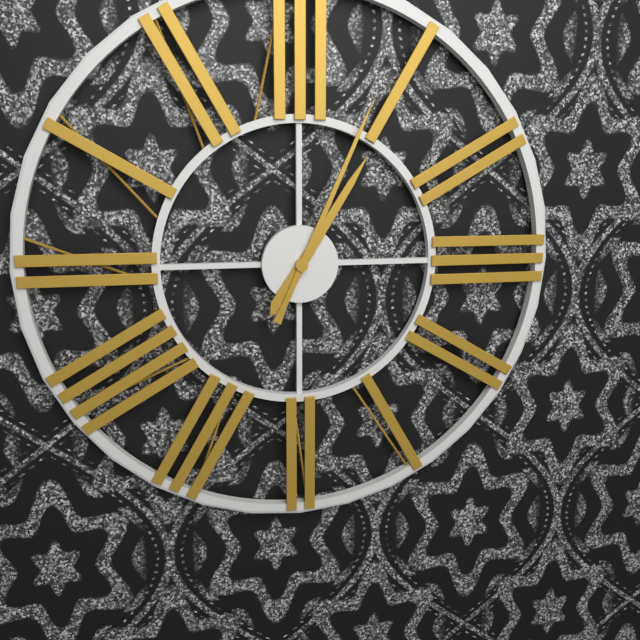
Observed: 1h04
